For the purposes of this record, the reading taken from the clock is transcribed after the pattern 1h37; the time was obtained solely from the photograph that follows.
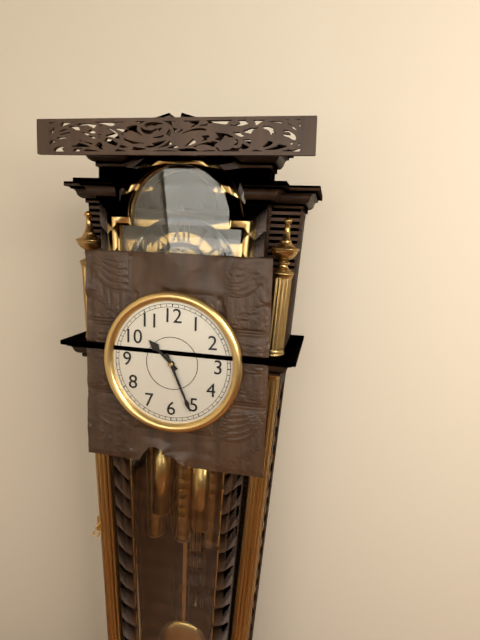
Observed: 10h26
